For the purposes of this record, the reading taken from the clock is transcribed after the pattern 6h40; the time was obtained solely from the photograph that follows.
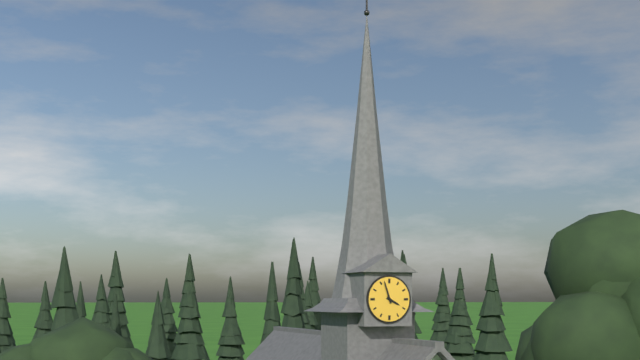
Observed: 3h57
